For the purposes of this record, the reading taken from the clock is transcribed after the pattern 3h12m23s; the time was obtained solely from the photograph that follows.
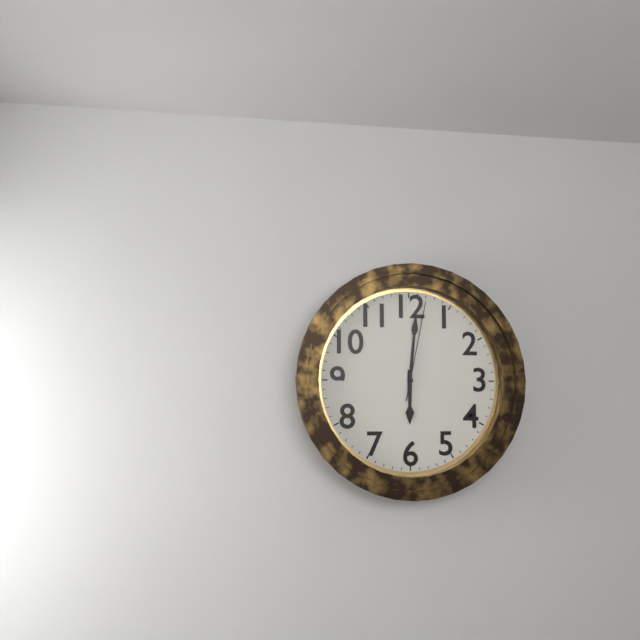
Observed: 6h01m02s
